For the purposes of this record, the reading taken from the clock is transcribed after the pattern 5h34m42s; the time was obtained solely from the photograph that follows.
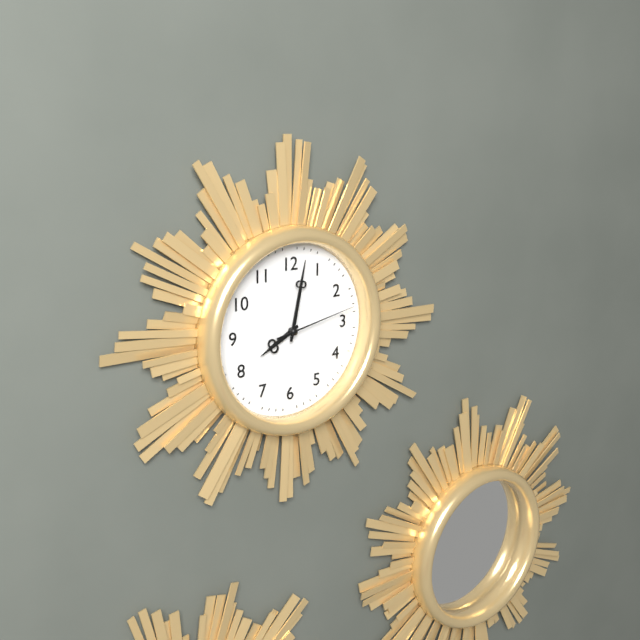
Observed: 8h02m13s
